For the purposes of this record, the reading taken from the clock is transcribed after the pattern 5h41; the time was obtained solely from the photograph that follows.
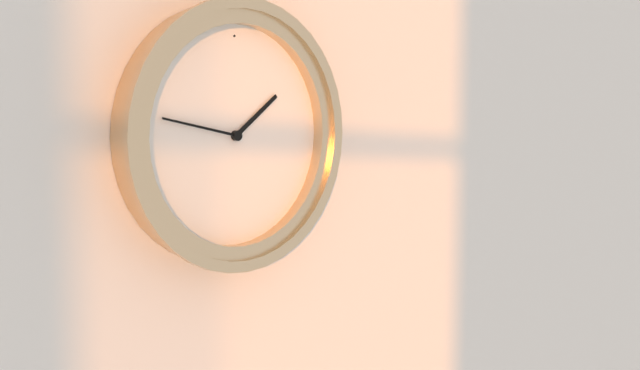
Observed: 1h47
